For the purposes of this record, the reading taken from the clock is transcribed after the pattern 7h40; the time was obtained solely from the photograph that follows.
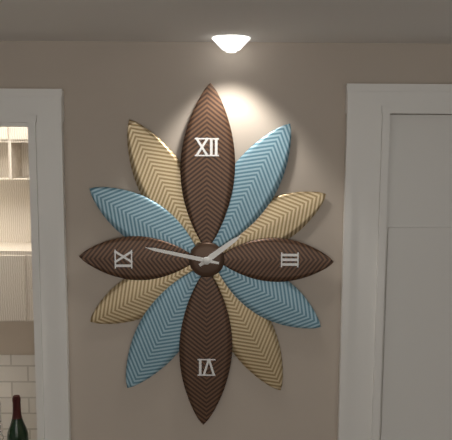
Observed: 1h47
